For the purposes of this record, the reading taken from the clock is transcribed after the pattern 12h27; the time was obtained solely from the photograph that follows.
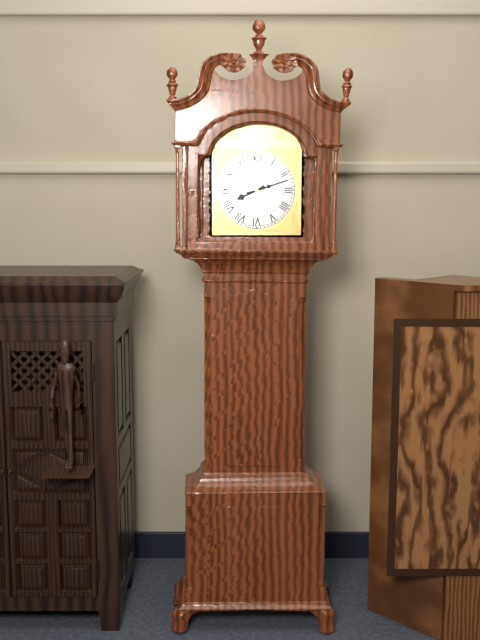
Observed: 8h12
